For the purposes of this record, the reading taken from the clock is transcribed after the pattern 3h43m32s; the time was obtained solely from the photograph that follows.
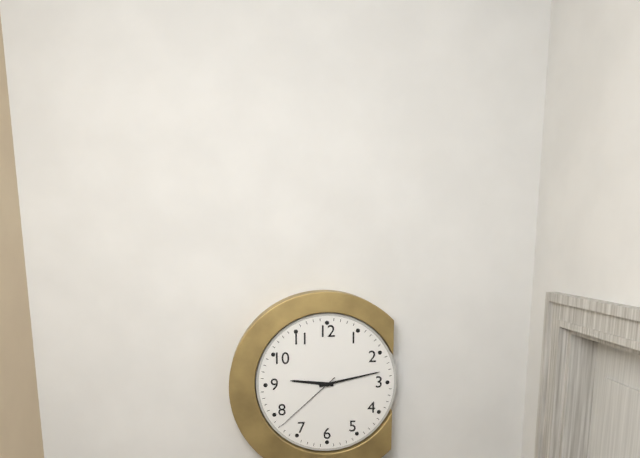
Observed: 9h13m38s
